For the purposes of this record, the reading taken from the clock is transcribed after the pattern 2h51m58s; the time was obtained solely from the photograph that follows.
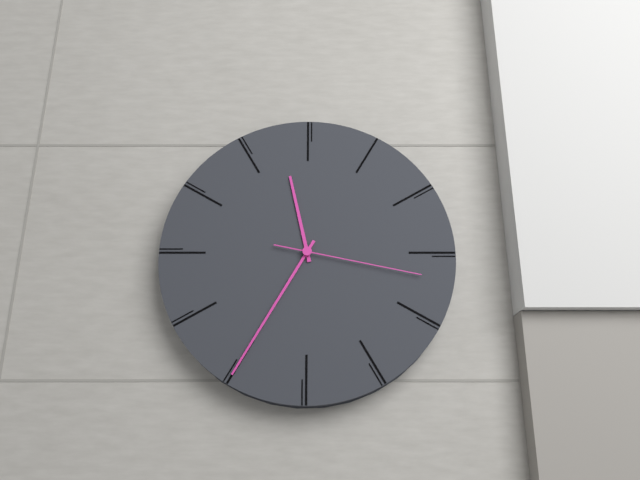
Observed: 11h35m17s
